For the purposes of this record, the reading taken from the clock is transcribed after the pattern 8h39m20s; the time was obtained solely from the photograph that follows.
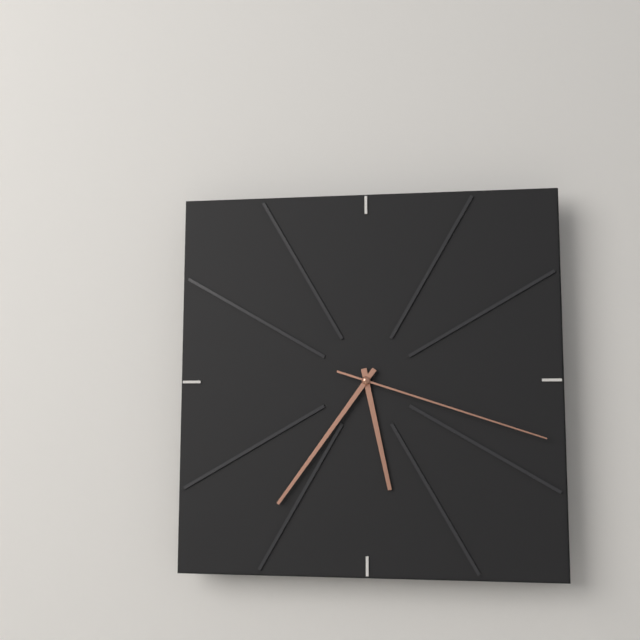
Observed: 5h36m18s
